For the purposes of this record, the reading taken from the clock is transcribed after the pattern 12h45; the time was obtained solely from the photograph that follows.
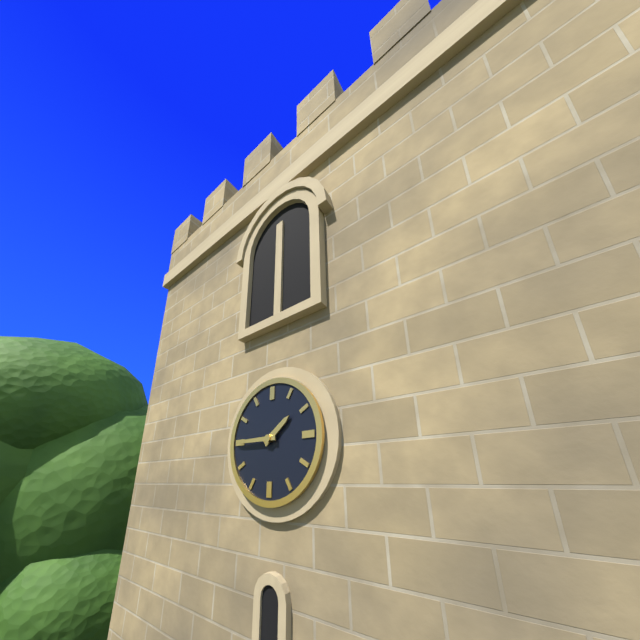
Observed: 1h45
